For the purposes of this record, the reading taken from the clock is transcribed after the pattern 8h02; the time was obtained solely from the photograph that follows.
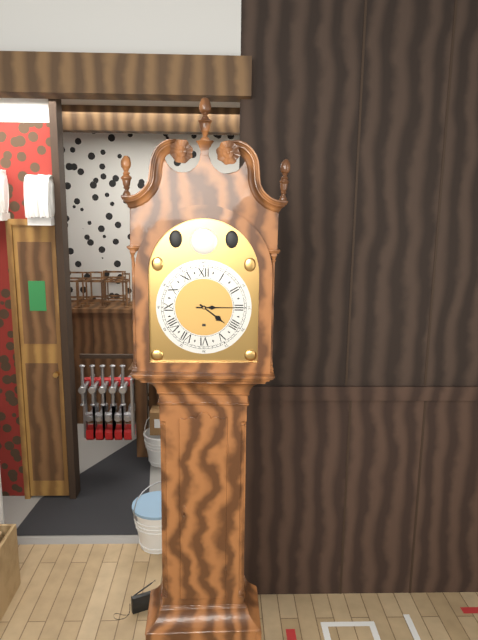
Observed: 4h15
